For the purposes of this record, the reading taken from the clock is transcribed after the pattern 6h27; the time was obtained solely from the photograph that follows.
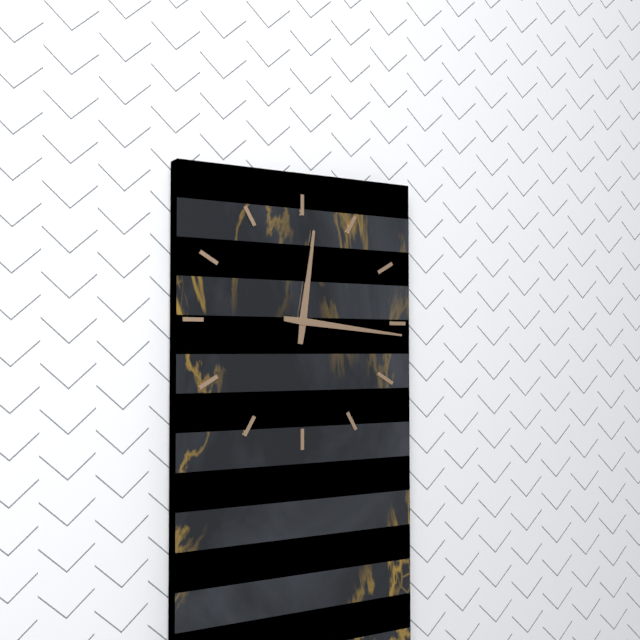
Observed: 12h16
